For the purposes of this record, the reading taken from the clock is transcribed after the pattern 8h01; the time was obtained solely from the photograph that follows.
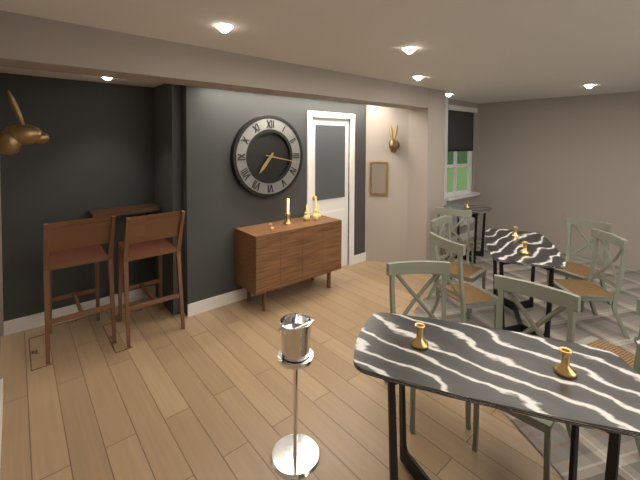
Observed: 7h17
